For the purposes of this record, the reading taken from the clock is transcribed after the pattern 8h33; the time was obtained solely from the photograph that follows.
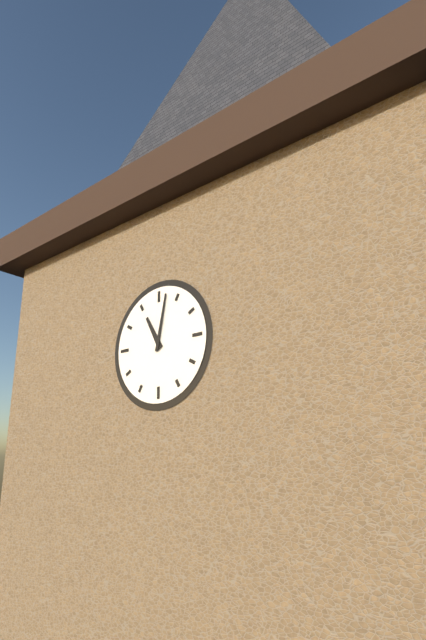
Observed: 11h02
